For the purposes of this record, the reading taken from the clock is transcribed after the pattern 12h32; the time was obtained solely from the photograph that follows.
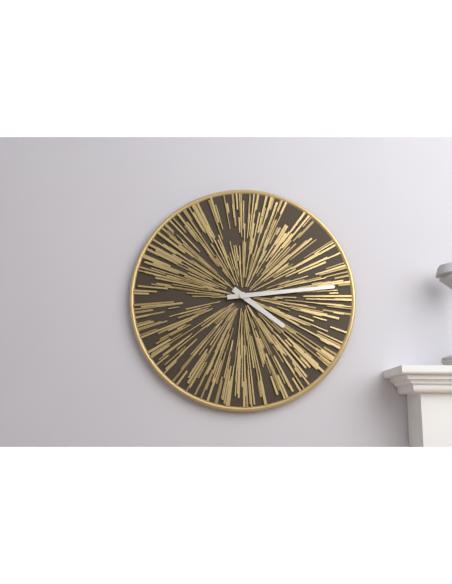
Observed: 4h14
